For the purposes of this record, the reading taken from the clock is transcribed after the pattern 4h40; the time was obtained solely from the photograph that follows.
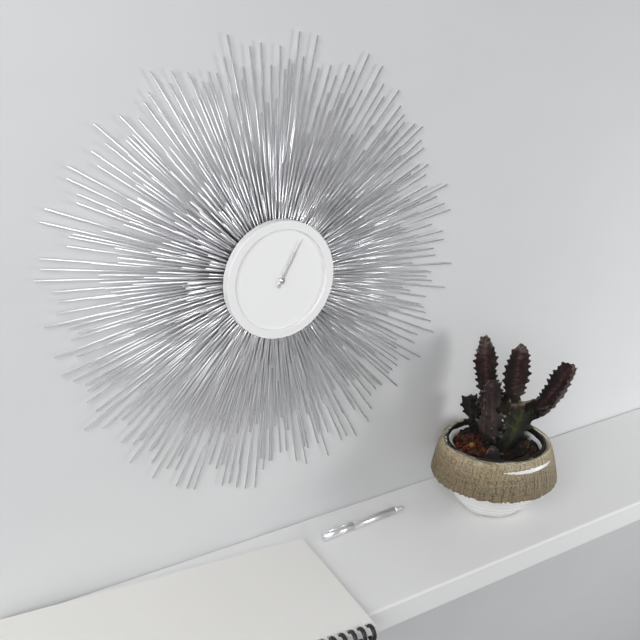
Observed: 1h05
